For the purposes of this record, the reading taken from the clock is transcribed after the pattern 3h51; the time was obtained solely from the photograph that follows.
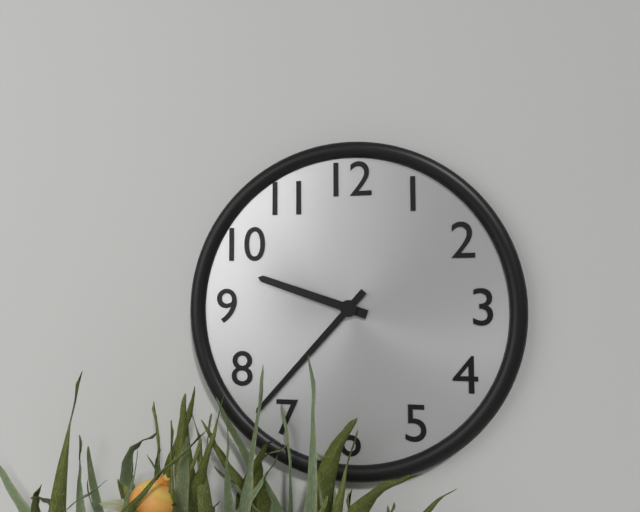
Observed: 9h37
